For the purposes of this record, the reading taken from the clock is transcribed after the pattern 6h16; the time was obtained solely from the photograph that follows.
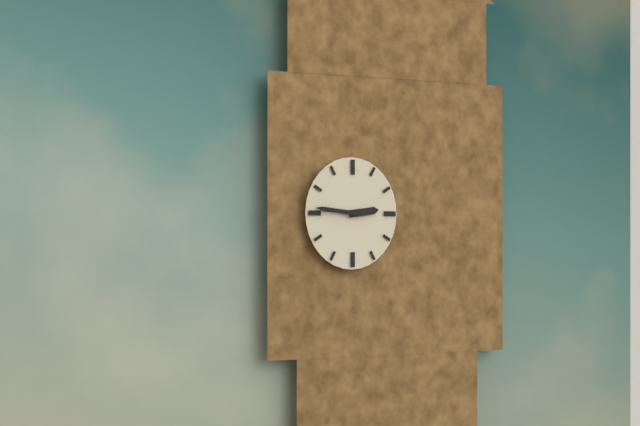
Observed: 2h46
